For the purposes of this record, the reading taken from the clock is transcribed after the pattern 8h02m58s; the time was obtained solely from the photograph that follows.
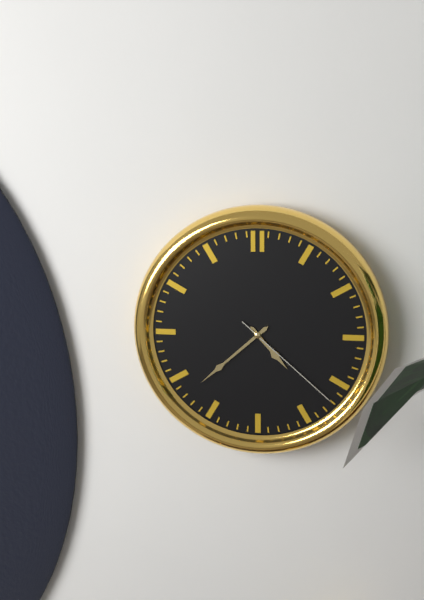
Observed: 4h38m22s
